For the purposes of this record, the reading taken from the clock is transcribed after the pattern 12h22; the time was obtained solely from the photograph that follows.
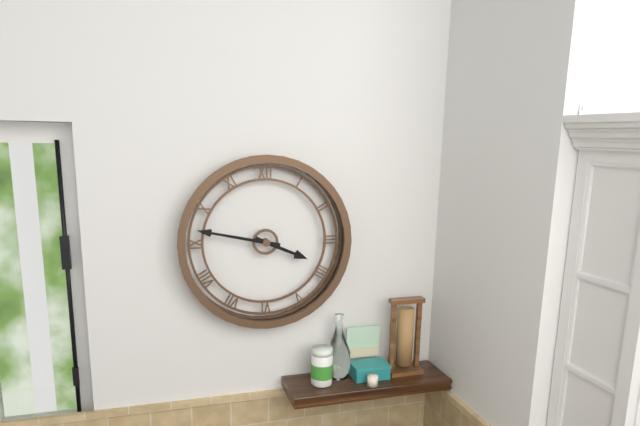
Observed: 3h47
